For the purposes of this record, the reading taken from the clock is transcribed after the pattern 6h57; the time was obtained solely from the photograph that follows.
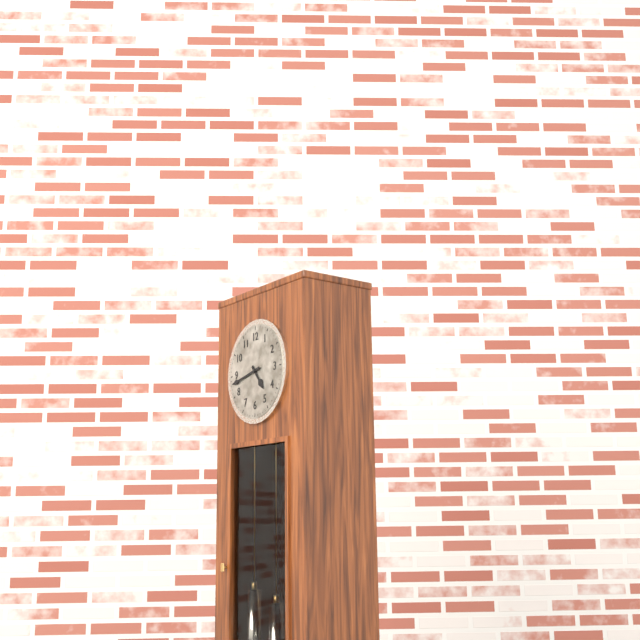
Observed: 4h43
